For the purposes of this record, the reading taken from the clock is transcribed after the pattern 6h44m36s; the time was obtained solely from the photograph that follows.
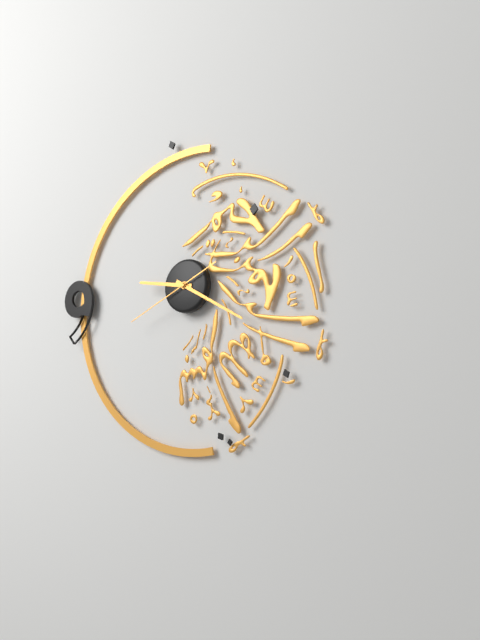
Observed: 9h20m41s
